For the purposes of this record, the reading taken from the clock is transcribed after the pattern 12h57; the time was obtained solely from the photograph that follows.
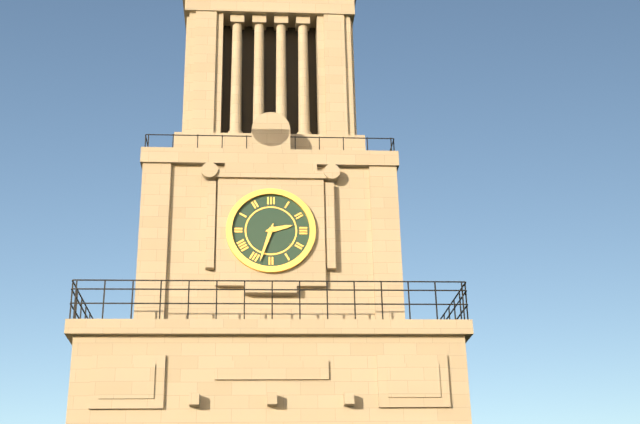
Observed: 2h33
